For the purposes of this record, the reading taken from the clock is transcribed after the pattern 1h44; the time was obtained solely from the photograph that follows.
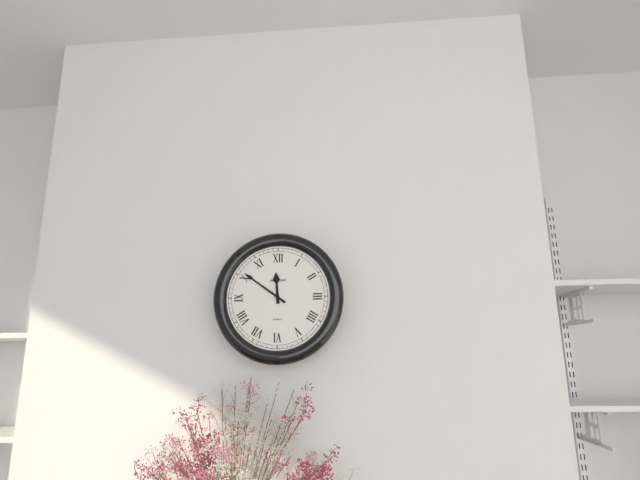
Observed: 11h51
